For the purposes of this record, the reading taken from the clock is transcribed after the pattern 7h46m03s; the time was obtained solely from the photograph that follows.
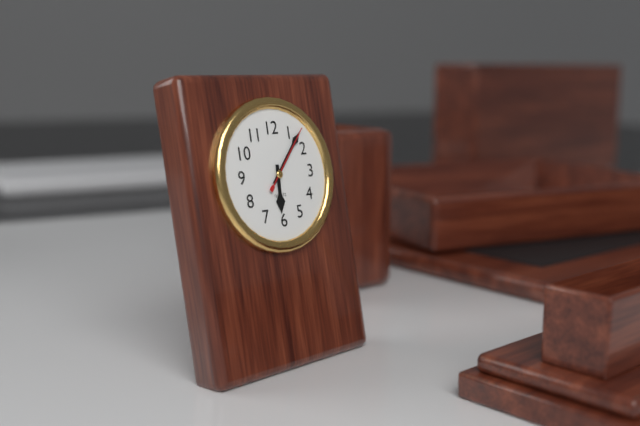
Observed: 6h07m07s
